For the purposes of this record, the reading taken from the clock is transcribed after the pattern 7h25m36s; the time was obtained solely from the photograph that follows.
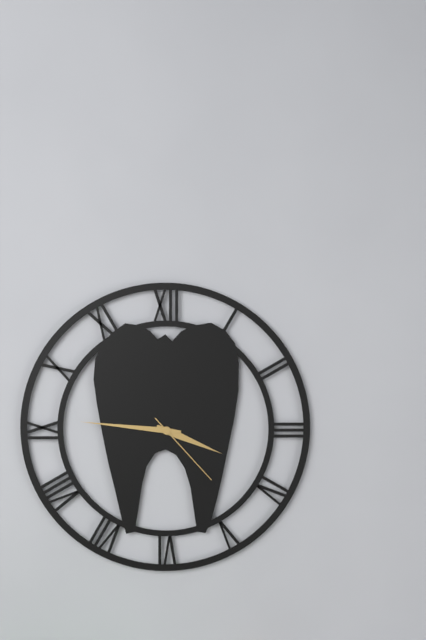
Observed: 3h46m23s
